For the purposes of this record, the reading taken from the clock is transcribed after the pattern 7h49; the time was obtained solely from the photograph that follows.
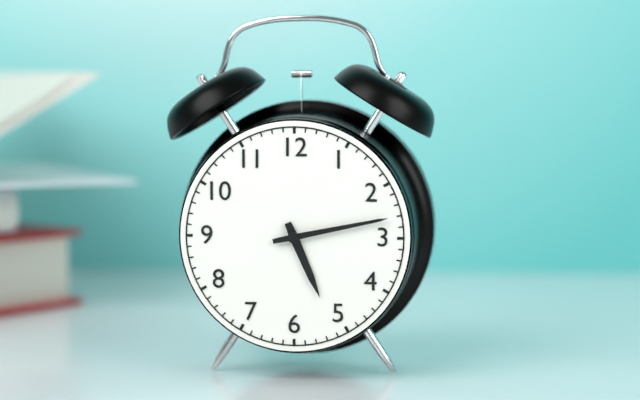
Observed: 5h13
